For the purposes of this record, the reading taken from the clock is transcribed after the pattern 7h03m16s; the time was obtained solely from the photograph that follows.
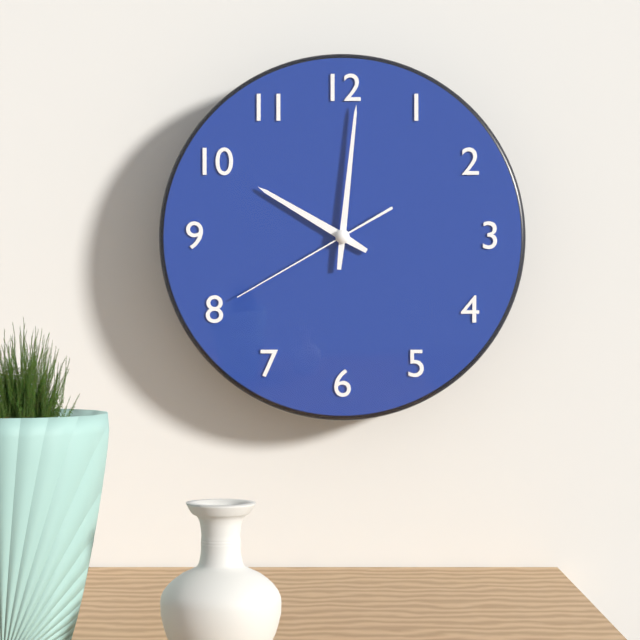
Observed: 10h01m40s
